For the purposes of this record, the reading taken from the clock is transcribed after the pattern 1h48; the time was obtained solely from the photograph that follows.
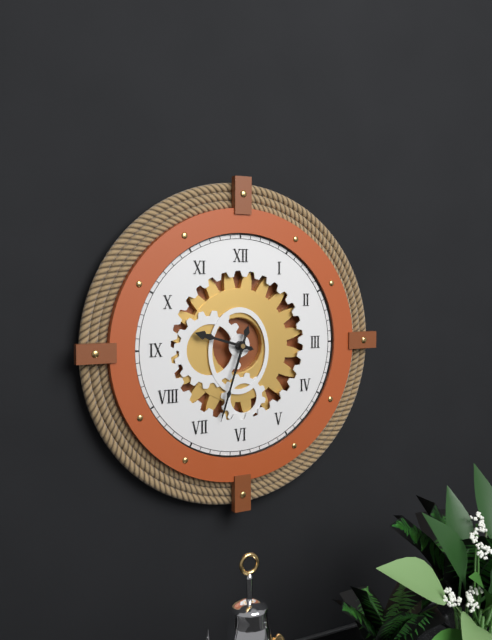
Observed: 9h33
